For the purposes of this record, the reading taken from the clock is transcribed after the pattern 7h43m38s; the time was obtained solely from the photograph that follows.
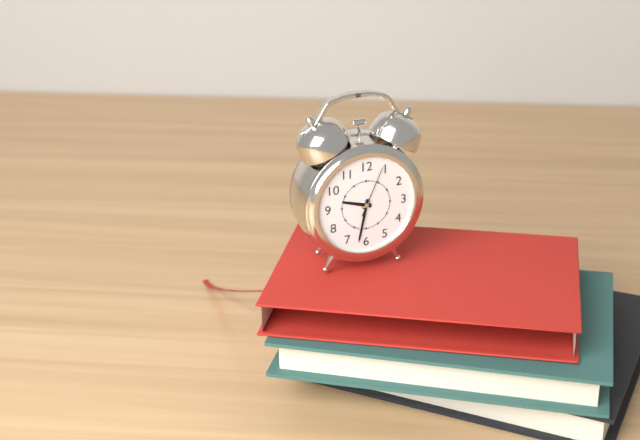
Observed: 9h32m04s
